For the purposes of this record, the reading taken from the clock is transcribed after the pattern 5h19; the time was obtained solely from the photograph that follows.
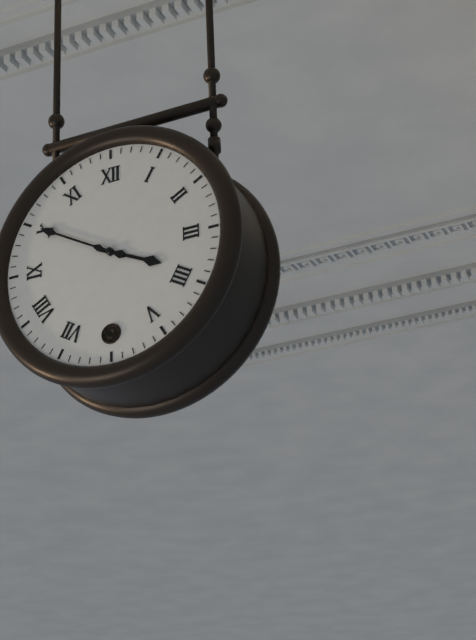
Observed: 3h50
